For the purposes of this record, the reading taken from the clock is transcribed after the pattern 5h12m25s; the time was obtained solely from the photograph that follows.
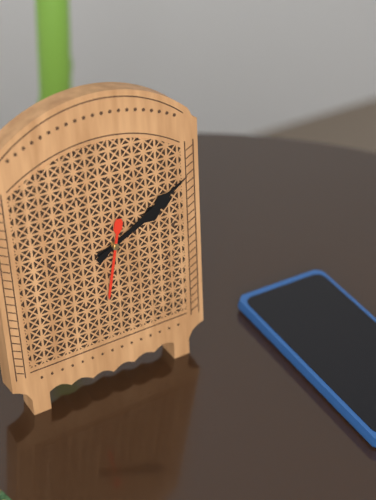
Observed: 2h10m32s
